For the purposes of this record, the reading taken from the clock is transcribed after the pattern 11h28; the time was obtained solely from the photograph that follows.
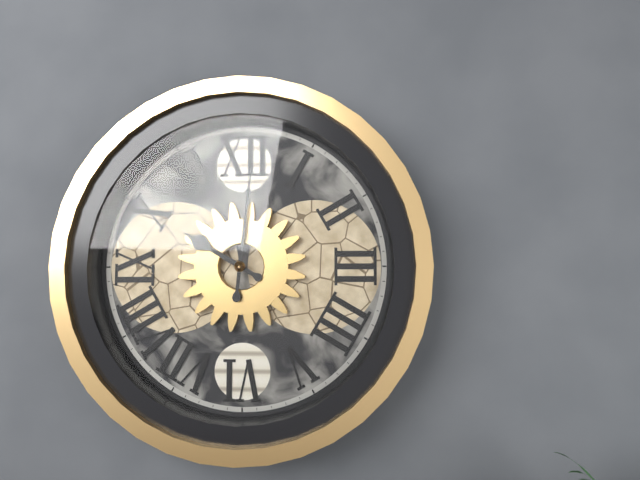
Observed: 10h01
